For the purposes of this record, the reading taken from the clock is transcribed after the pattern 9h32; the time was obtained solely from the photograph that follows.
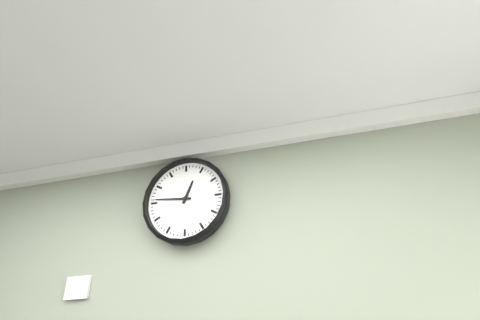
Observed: 12h46
